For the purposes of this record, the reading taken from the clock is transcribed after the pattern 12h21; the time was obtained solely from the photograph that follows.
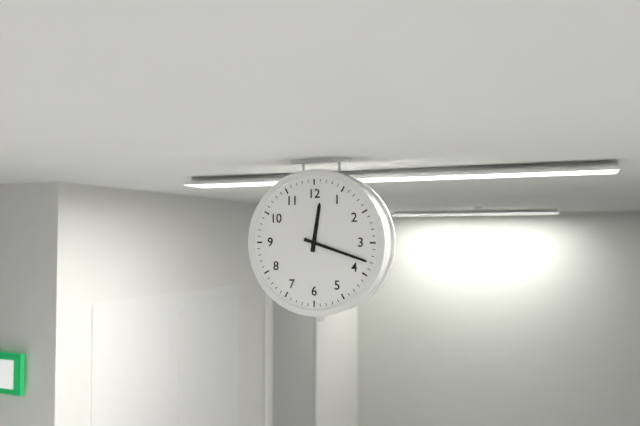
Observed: 12h18
